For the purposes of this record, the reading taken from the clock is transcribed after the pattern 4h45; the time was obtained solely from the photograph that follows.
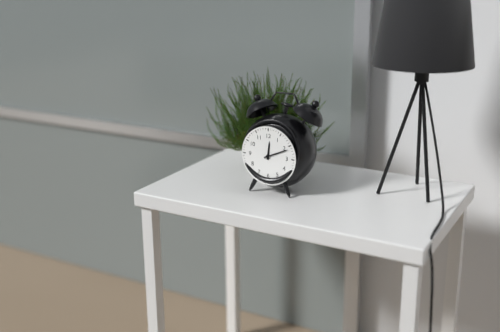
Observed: 12h11
